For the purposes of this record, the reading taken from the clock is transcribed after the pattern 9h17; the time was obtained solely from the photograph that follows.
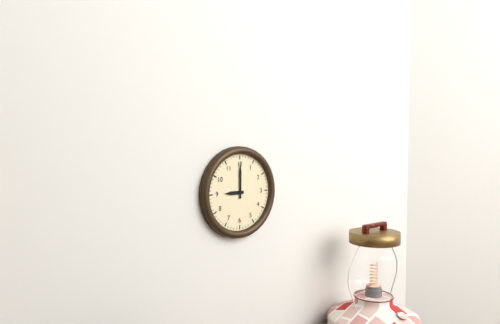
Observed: 9h00
